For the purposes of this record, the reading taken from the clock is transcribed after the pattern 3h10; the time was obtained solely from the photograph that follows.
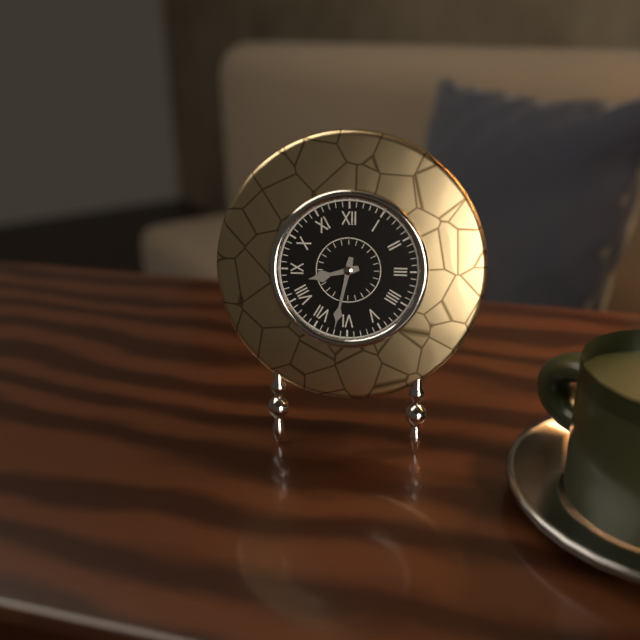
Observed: 8h32
